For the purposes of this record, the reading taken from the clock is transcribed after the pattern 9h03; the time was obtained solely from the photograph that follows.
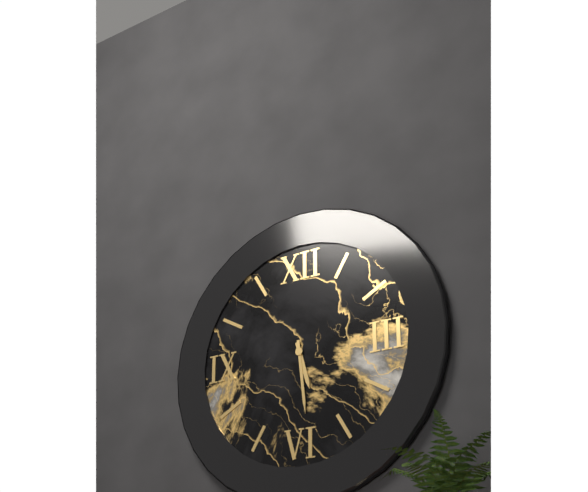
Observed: 5h29
